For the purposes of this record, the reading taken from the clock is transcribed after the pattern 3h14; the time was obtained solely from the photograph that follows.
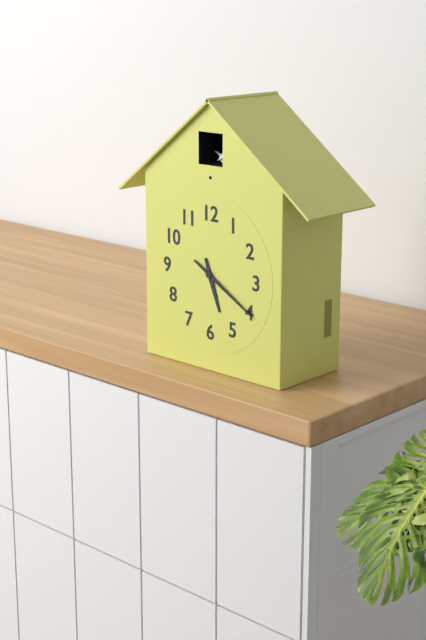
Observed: 5h20
